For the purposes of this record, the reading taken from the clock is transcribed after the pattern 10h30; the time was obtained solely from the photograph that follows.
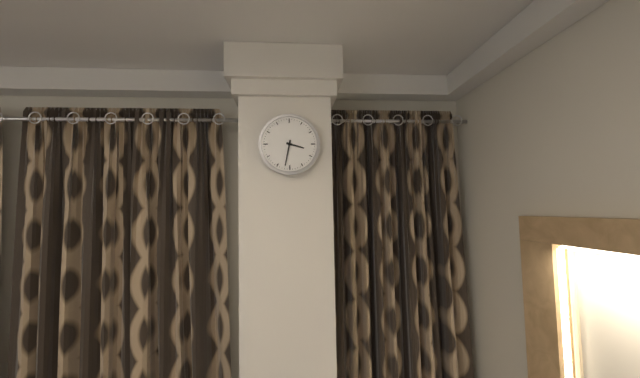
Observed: 3h32
